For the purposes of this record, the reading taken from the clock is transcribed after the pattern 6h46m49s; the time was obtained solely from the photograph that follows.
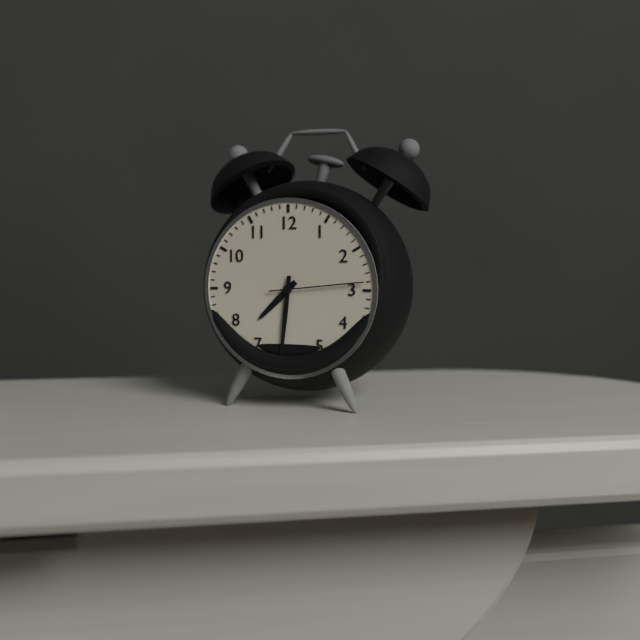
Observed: 7h31m14s
